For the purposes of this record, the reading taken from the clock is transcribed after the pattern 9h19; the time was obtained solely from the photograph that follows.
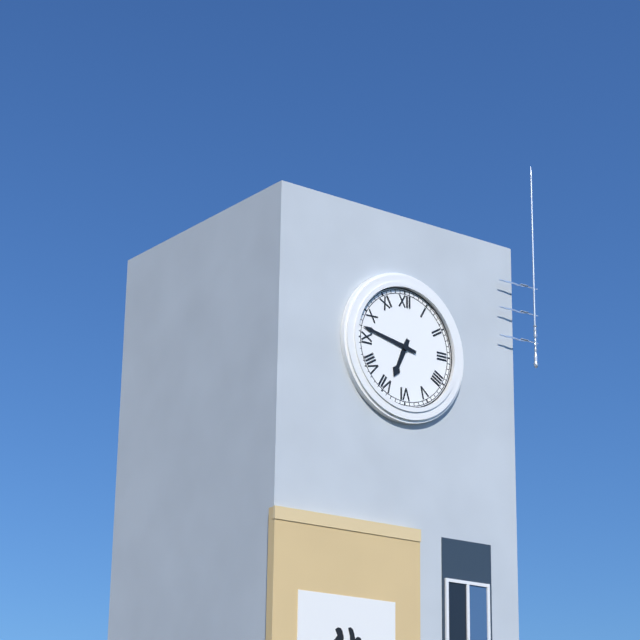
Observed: 6h47
